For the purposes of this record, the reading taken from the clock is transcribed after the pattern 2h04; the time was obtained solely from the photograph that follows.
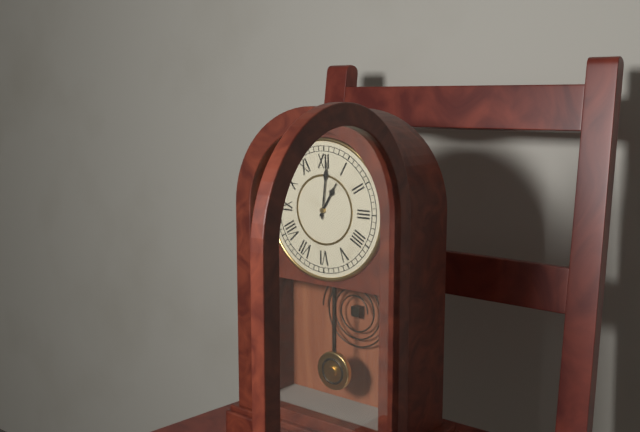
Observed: 1h01
